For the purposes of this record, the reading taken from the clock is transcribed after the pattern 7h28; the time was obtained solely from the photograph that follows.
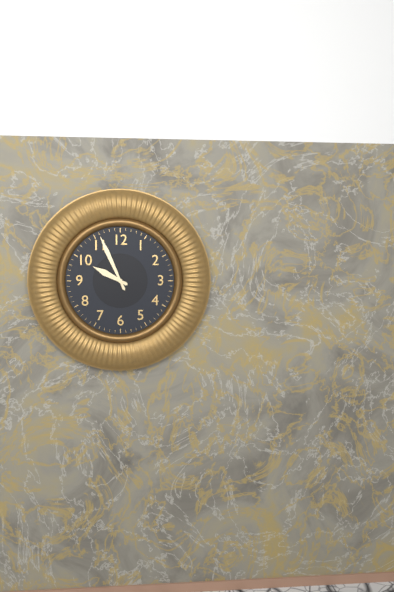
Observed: 9h56
